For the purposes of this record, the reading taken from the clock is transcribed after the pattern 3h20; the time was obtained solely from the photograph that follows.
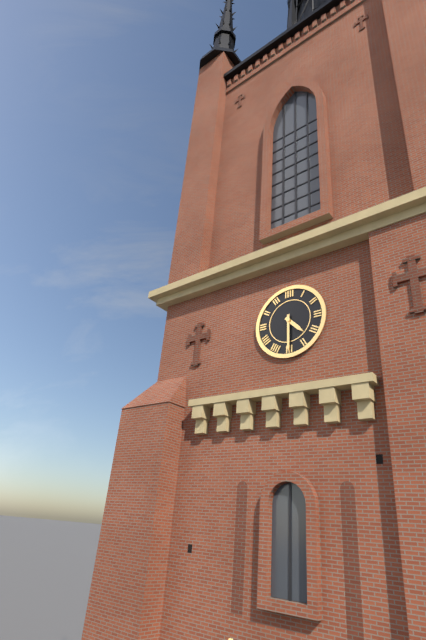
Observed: 4h30
